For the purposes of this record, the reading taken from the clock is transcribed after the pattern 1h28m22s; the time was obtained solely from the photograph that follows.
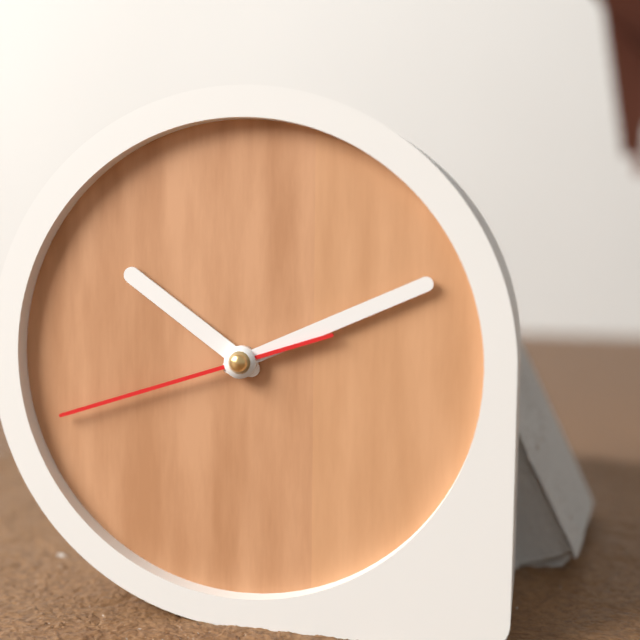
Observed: 10h11m42s
